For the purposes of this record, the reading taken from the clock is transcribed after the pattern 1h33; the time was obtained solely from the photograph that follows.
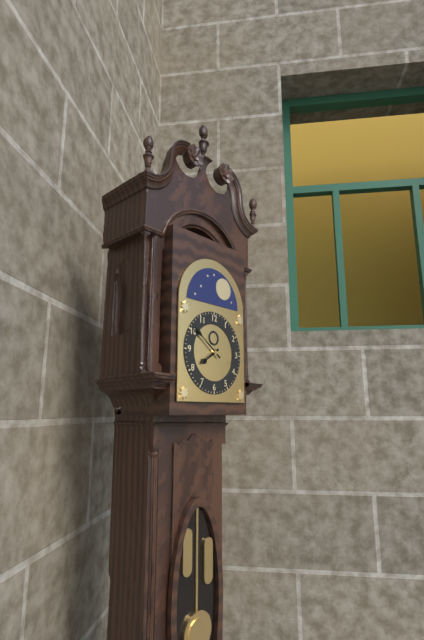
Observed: 7h51
